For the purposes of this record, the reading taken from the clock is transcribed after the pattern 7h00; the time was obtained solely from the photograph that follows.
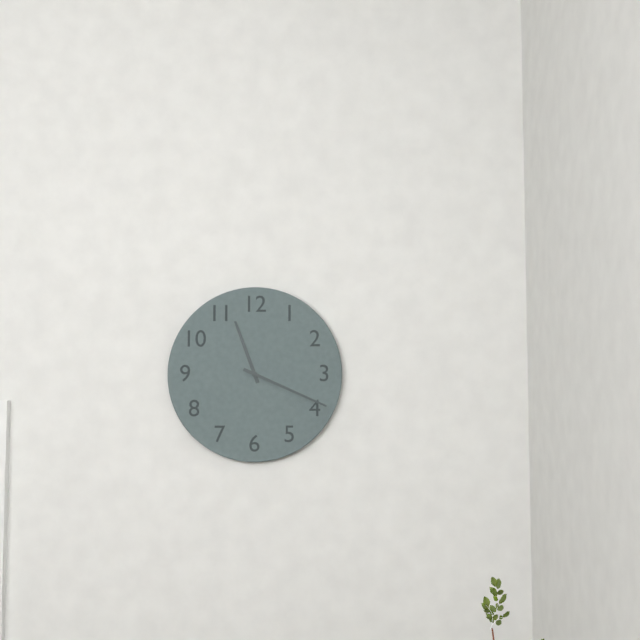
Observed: 11h19
